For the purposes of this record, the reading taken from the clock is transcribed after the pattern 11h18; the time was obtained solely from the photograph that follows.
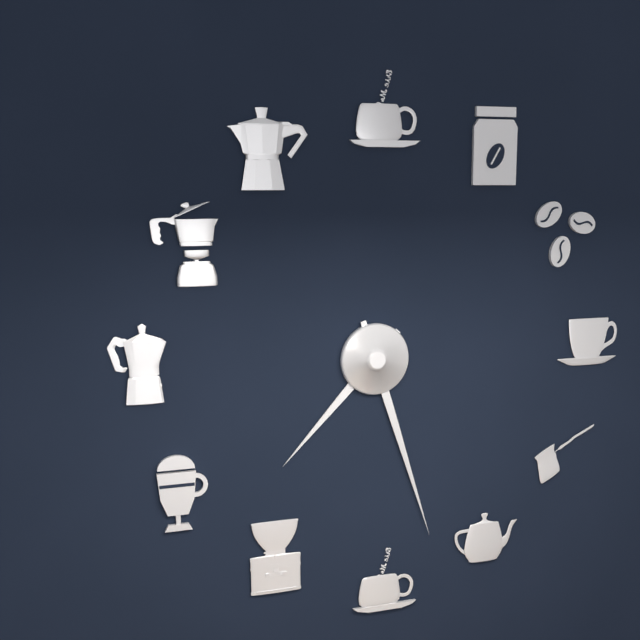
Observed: 7h27
